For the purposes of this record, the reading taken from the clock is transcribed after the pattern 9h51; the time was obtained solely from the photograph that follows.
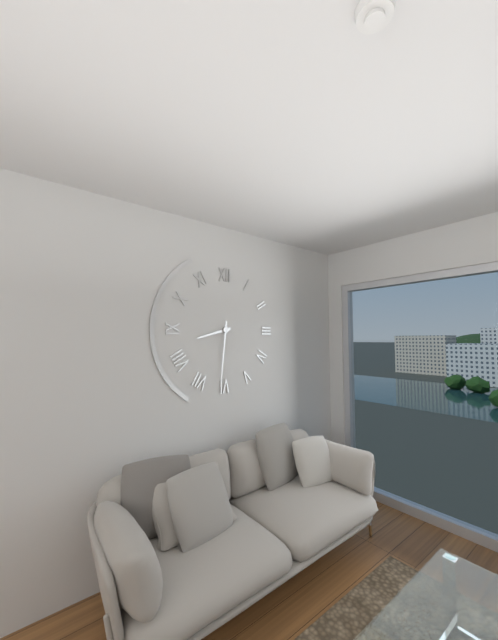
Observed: 8h31
